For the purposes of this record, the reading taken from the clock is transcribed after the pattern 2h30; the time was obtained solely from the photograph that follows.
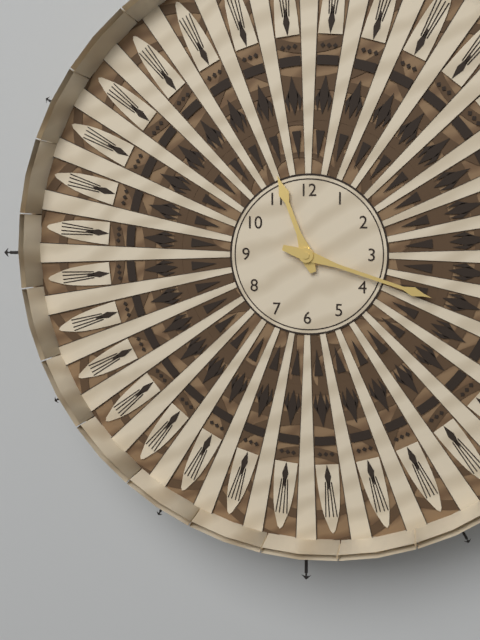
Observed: 11h18
